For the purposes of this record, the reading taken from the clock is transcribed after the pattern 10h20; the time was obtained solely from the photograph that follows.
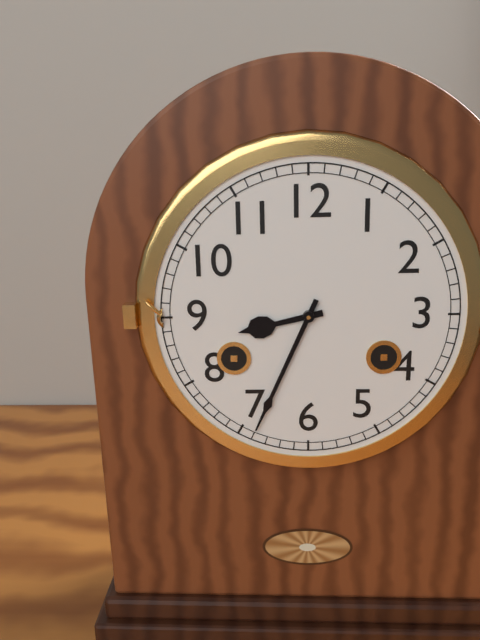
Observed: 8h34
